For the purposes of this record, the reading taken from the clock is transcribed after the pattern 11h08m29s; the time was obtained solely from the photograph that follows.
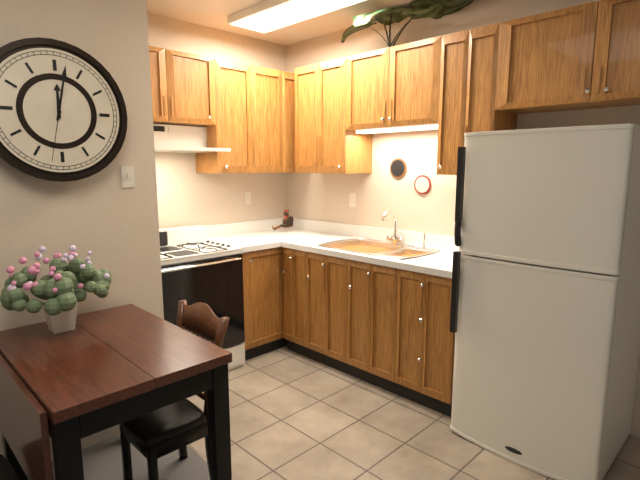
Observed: 12h02m32s
